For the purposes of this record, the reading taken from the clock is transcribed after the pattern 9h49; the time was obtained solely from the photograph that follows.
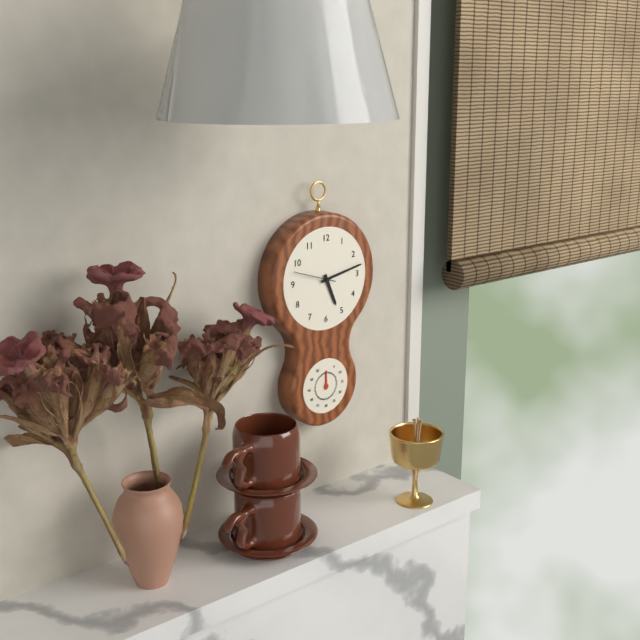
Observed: 5h13
